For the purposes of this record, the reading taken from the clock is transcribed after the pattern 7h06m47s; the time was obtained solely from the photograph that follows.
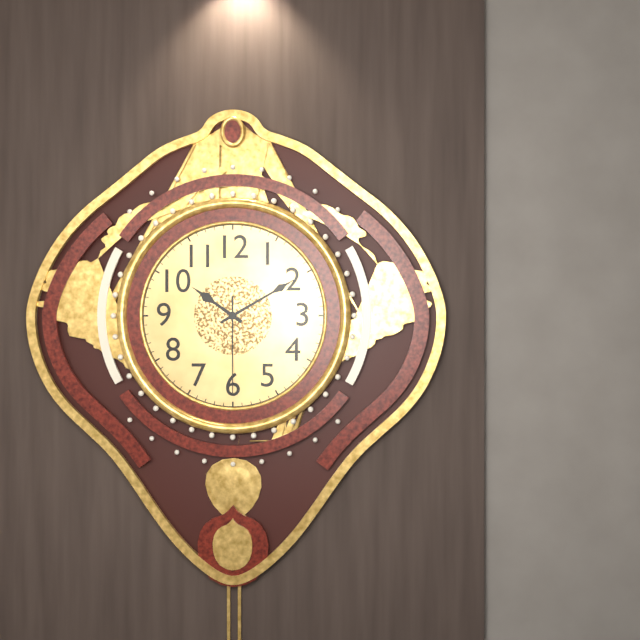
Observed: 10h10m30s
